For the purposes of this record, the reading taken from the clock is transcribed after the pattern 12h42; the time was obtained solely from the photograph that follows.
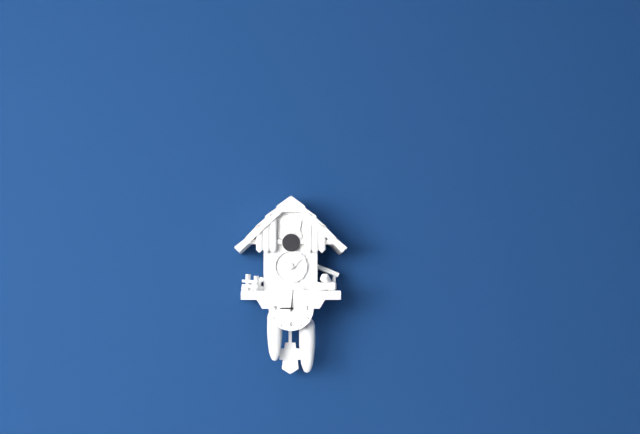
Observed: 9h01
